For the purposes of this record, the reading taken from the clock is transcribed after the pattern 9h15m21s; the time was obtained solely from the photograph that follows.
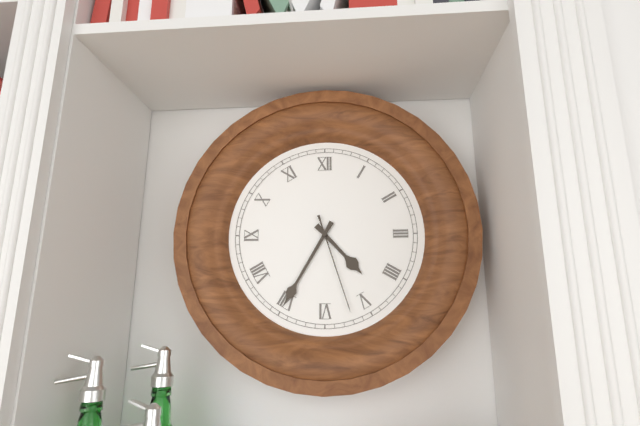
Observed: 4h35m27s
